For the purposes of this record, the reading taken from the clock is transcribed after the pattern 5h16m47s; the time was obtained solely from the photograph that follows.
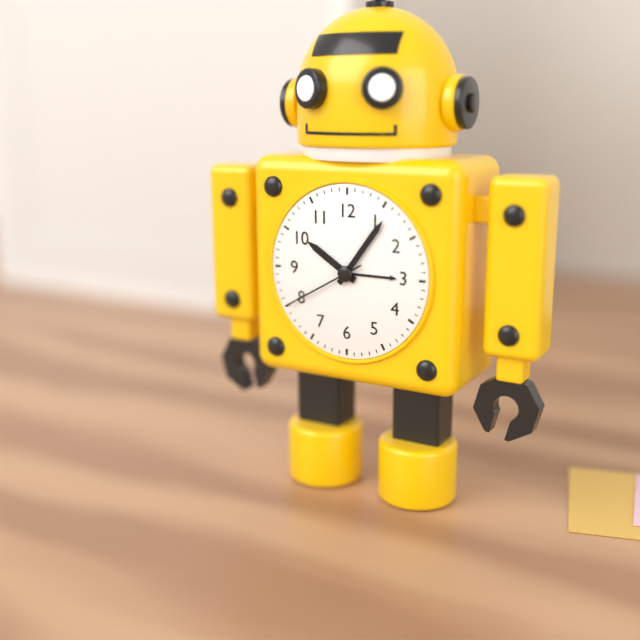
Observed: 10h06m40s
